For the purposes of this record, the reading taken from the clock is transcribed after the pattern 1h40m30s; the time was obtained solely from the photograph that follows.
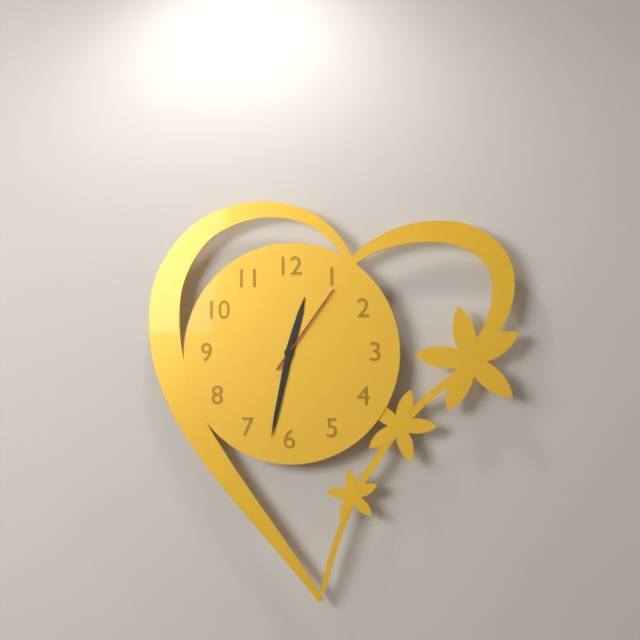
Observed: 12h32m06s
